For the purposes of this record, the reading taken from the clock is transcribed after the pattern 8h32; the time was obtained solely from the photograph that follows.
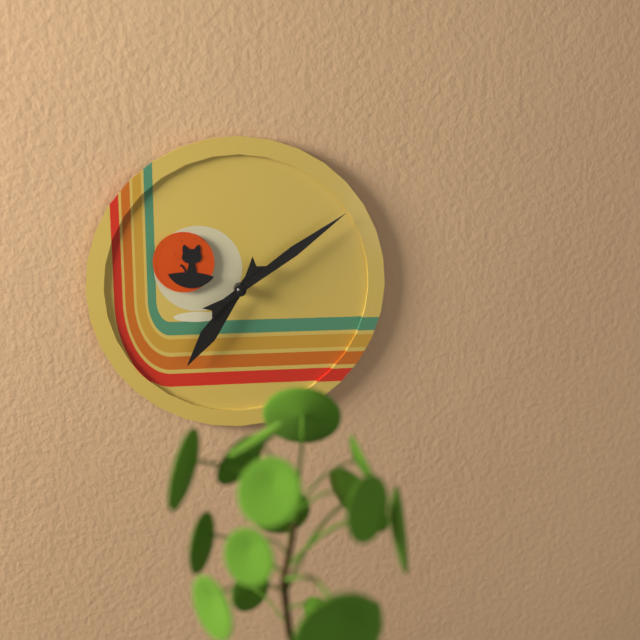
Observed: 7h09
